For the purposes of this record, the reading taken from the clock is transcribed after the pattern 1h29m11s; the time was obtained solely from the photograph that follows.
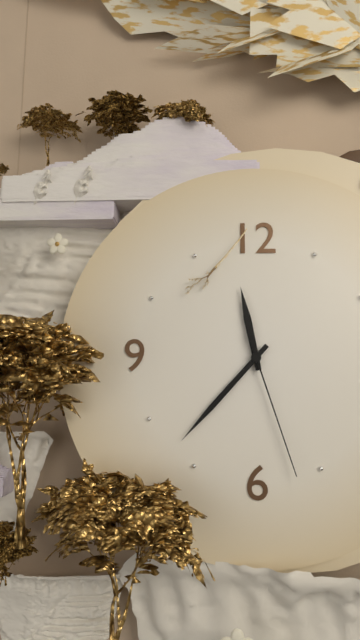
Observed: 11h37m27s
